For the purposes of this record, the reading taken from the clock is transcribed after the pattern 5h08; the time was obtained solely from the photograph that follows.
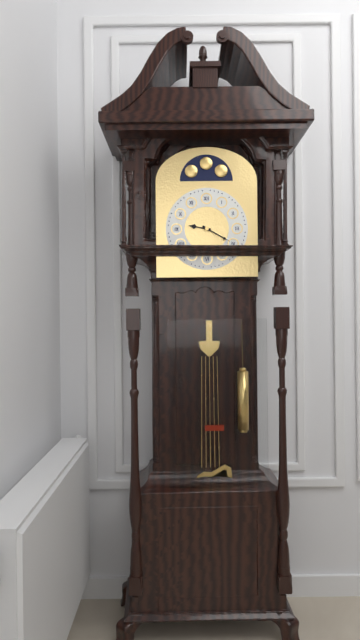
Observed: 9h20
